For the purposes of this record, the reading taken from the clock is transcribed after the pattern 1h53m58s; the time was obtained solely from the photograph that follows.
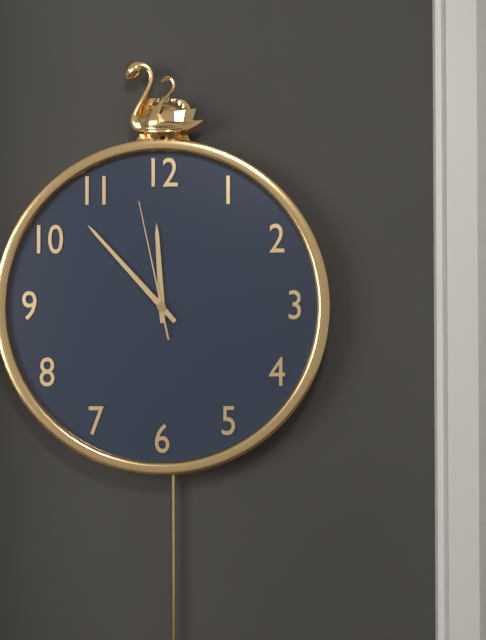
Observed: 11h53m58s
